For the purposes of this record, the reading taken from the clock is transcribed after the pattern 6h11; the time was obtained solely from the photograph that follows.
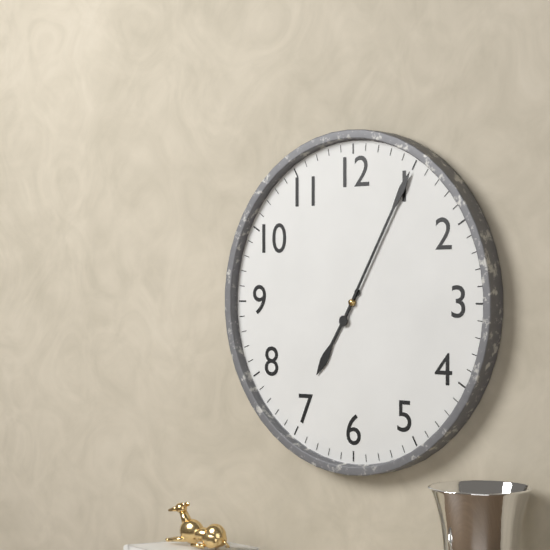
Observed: 7h05
